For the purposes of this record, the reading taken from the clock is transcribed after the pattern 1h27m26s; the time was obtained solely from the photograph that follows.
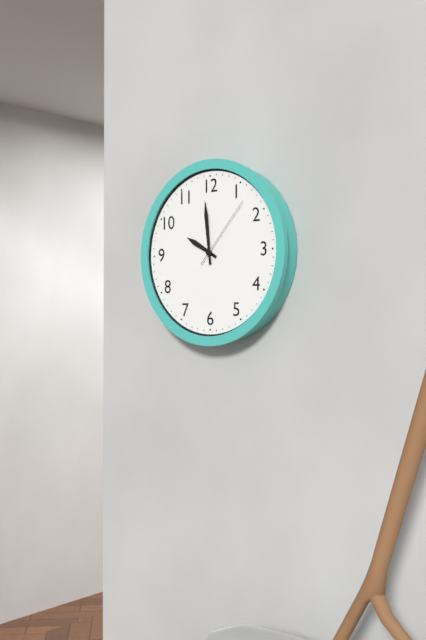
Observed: 9h59m07s
